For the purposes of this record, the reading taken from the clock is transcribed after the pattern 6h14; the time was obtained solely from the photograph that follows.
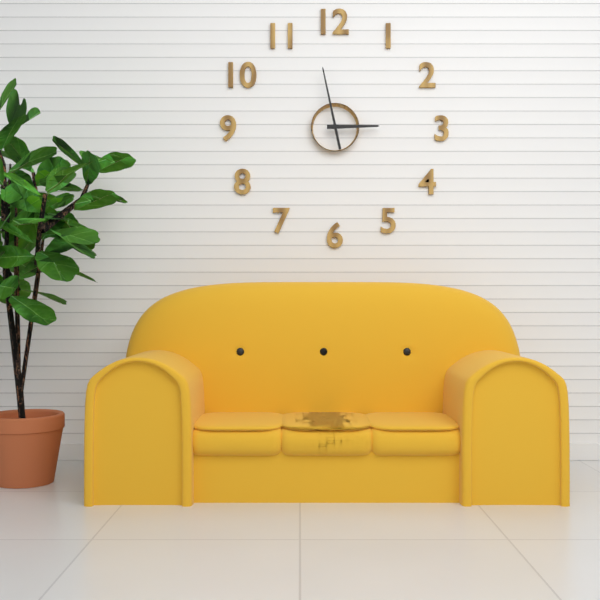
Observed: 2h58
